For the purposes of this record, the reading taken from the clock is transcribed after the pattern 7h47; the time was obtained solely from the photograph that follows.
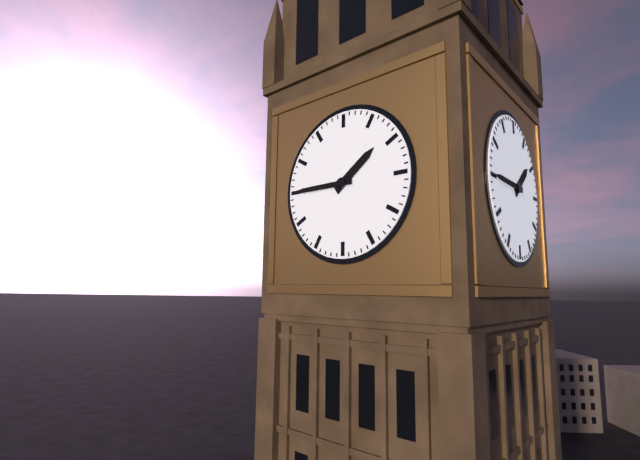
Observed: 1h45
